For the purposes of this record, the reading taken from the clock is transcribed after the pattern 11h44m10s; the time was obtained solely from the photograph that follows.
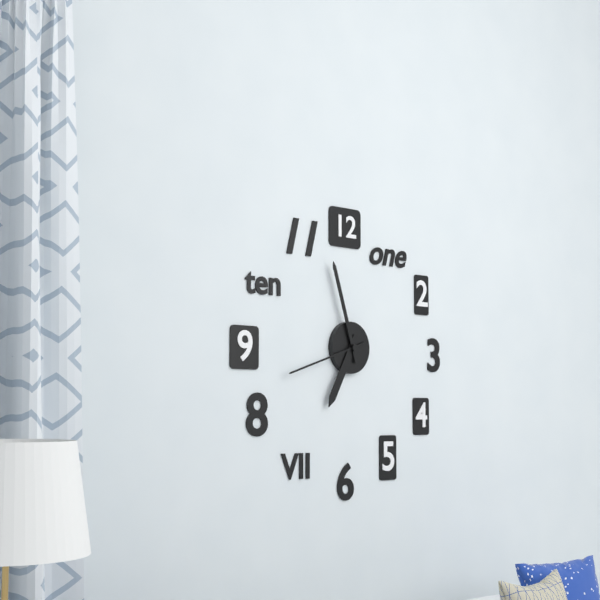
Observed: 6h57m42s
